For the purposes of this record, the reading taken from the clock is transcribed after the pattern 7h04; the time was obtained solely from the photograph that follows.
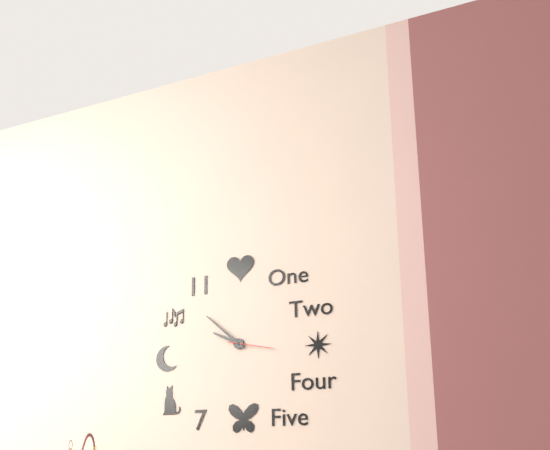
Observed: 9h52
